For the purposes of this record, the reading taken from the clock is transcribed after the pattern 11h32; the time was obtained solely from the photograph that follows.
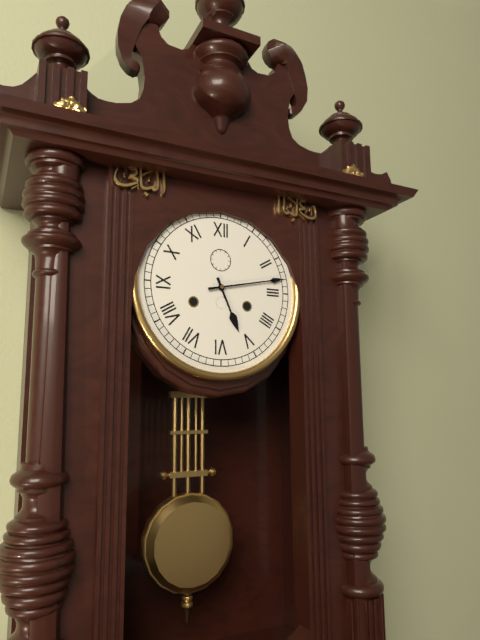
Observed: 5h13
